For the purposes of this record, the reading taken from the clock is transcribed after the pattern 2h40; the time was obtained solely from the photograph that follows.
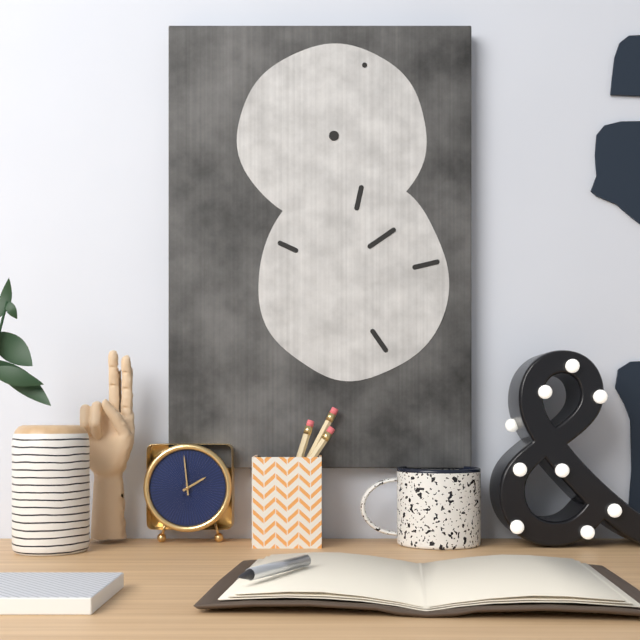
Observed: 1h59
